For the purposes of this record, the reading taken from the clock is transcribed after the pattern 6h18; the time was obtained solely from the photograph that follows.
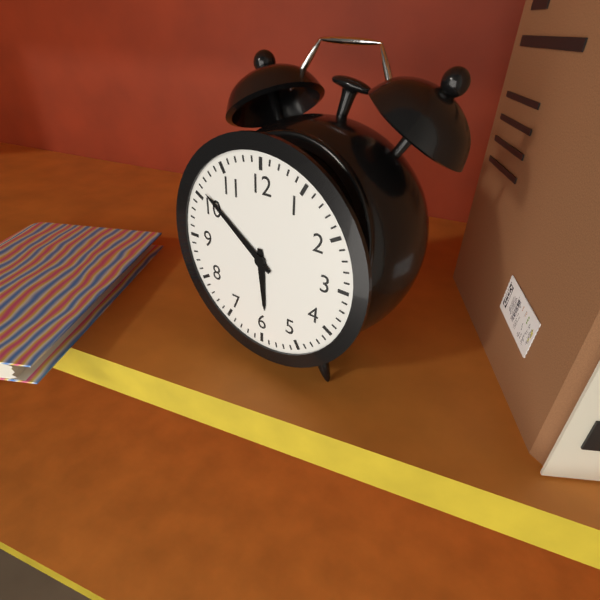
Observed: 5h51
